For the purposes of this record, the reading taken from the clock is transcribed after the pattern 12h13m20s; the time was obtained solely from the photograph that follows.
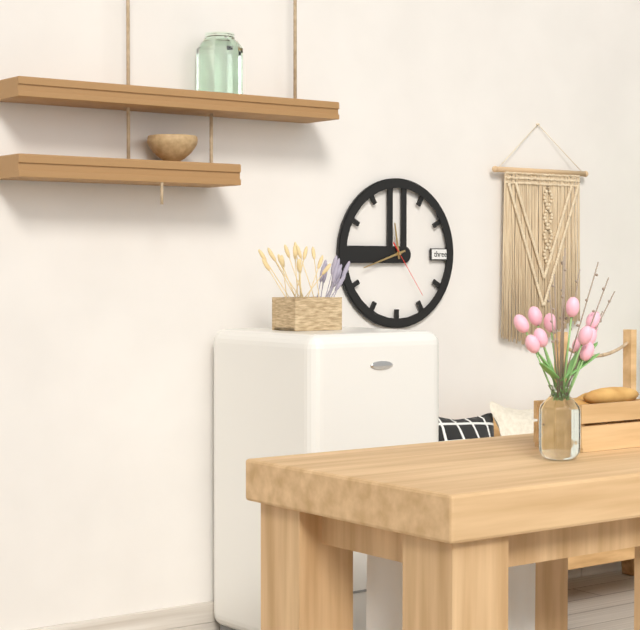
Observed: 11h42m24s
